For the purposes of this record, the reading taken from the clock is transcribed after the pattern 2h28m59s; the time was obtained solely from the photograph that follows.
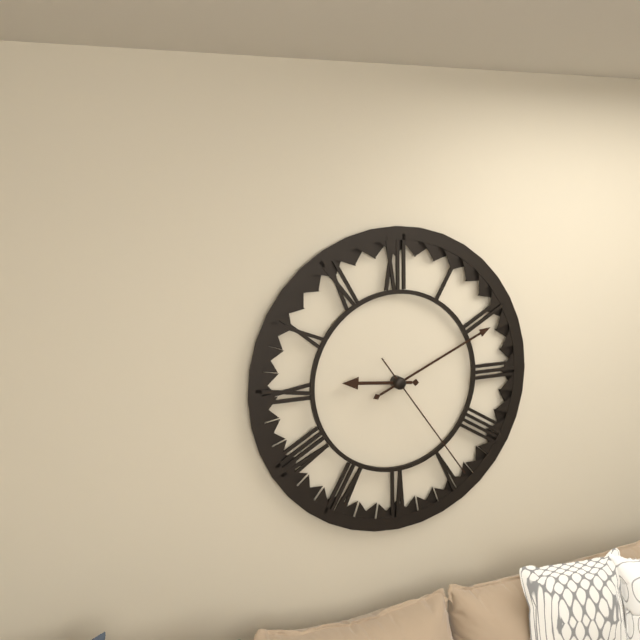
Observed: 9h11m24s
